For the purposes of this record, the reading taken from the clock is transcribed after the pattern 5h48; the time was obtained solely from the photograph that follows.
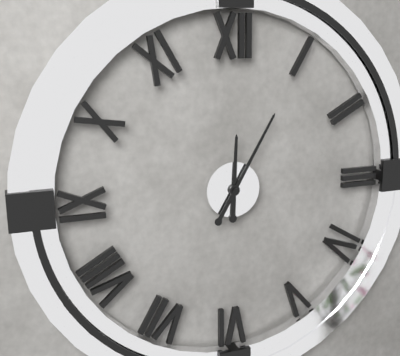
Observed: 12h05
